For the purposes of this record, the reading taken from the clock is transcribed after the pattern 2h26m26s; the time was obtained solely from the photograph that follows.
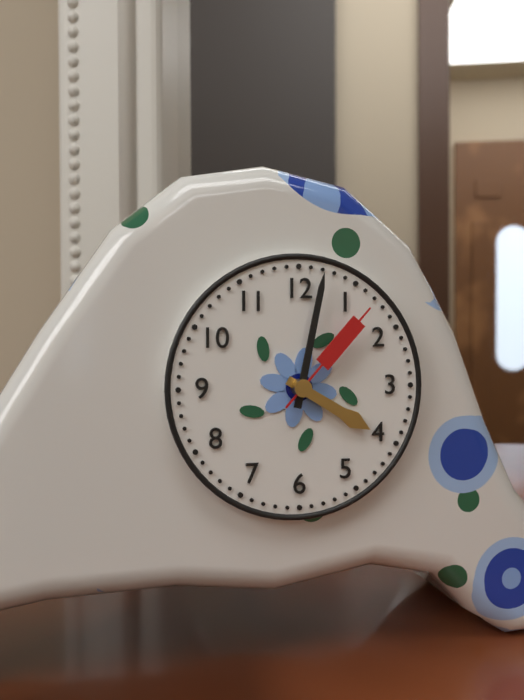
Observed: 4h02m07s
